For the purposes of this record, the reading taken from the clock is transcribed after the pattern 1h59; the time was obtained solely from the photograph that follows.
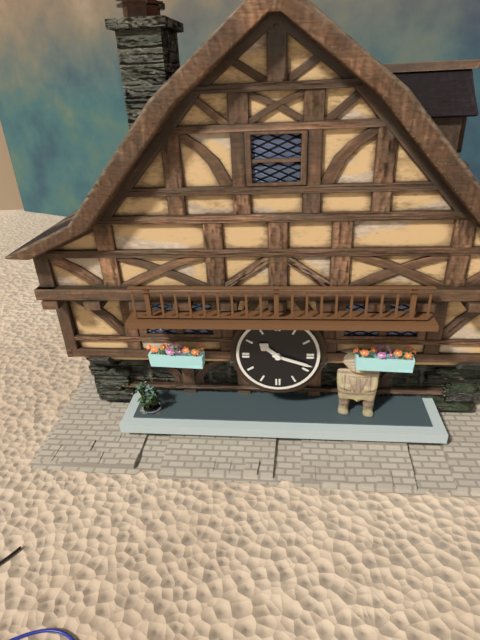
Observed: 10h18
